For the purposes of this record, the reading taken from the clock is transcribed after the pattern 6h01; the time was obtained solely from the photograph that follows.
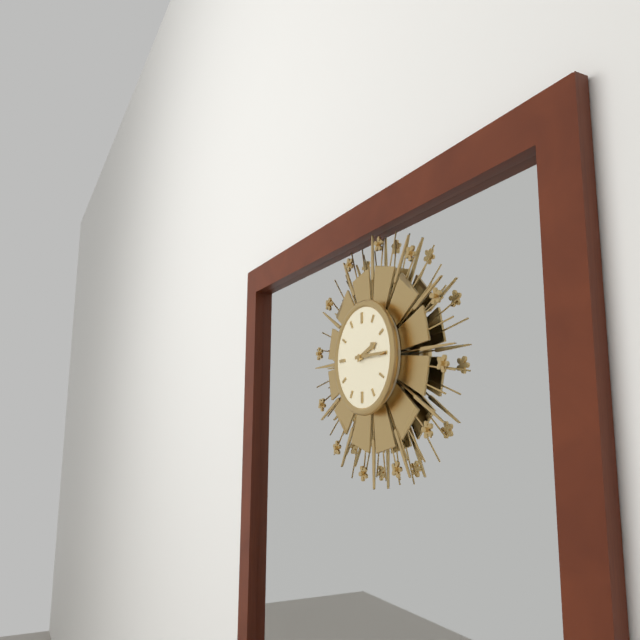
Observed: 2h15
